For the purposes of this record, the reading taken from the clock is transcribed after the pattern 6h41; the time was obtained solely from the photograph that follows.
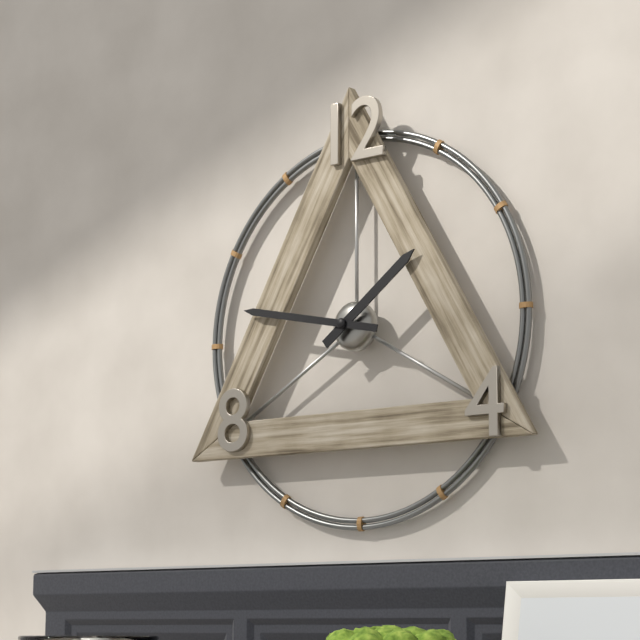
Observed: 1h47
